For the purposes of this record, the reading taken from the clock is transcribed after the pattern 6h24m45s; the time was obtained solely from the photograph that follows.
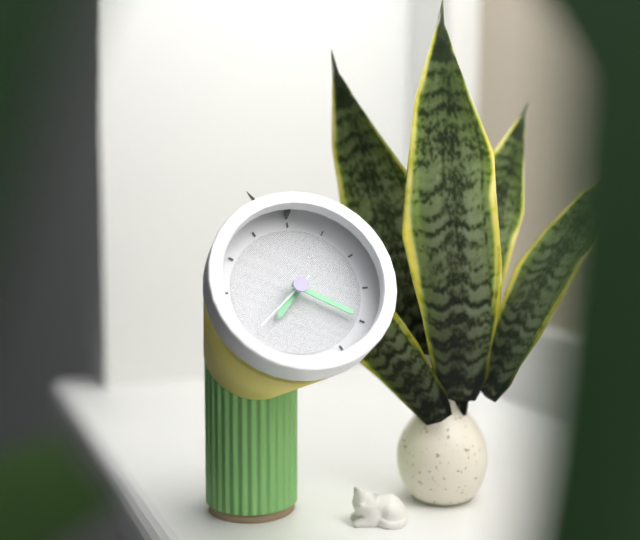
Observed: 7h20m38s
